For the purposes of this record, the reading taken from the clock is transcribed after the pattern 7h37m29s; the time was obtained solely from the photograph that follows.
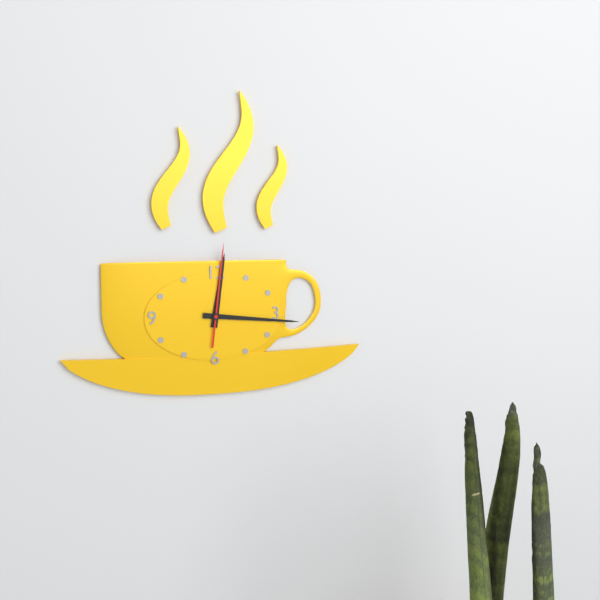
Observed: 12h16m01s
